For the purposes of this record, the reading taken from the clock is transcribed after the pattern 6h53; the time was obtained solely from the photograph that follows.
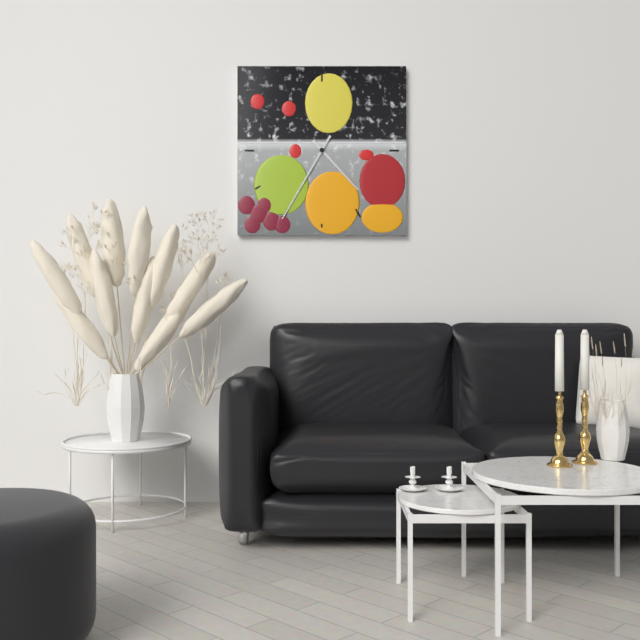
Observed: 4h35
